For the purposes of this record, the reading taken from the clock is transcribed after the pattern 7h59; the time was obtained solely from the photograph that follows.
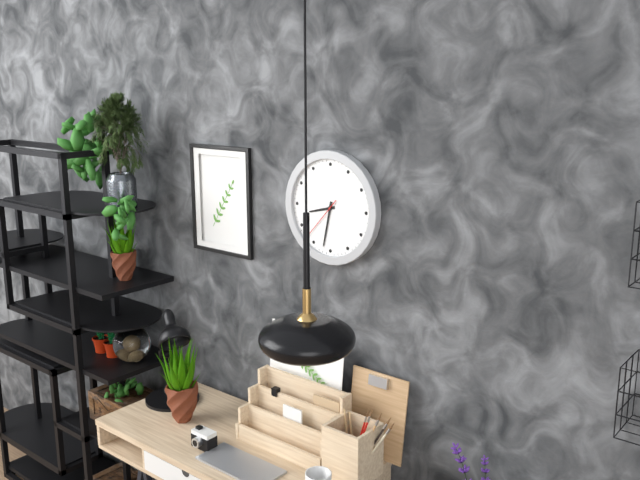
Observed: 8h32
